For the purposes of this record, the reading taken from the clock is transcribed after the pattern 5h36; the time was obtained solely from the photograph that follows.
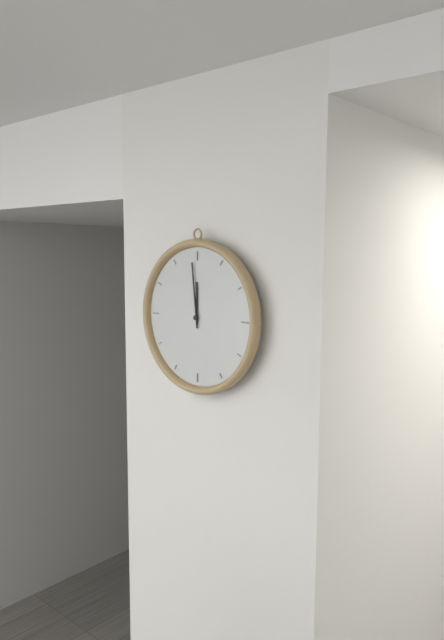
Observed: 11h59
